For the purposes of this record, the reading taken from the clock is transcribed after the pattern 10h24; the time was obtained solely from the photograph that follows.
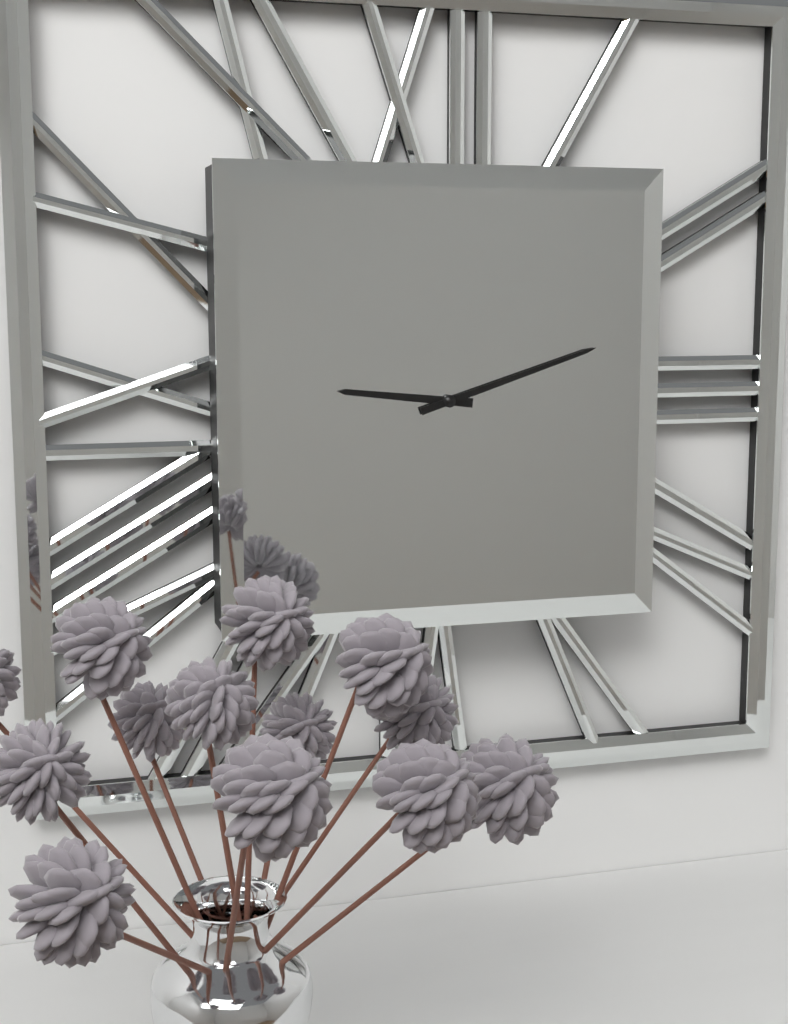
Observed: 9h12
